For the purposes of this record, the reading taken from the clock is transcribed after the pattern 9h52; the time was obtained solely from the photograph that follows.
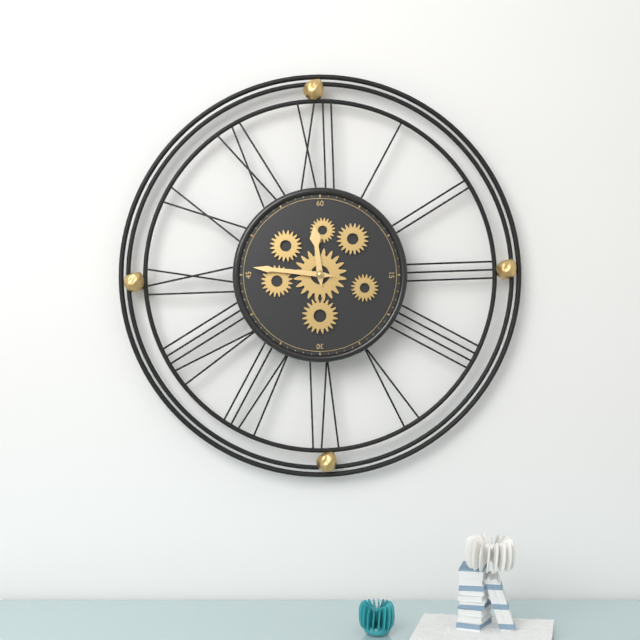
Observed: 11h46
